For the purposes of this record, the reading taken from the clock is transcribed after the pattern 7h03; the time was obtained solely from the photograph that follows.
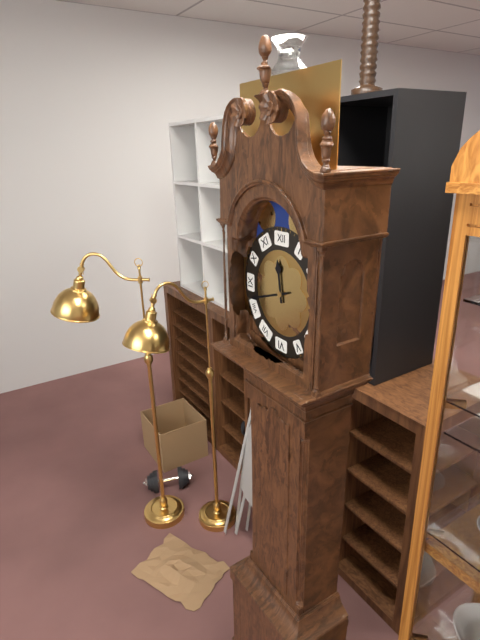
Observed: 11h42
